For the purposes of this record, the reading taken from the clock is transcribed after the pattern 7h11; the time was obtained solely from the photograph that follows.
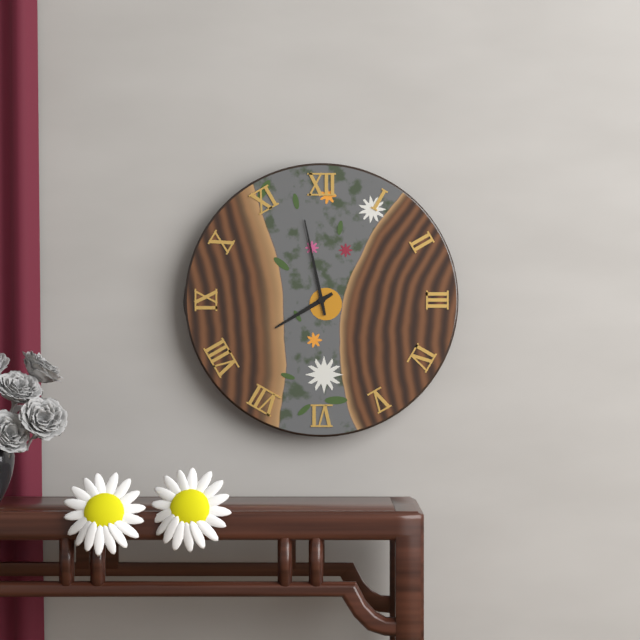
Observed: 7h58
